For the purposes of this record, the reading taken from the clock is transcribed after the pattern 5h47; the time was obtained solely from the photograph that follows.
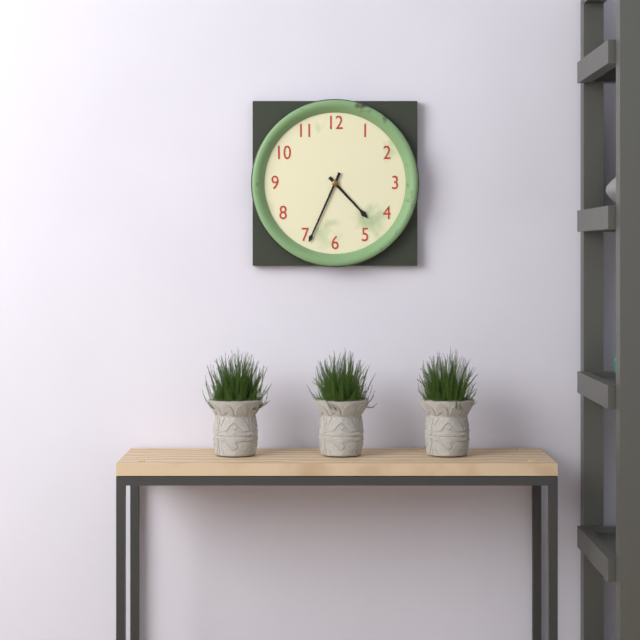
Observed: 4h34
